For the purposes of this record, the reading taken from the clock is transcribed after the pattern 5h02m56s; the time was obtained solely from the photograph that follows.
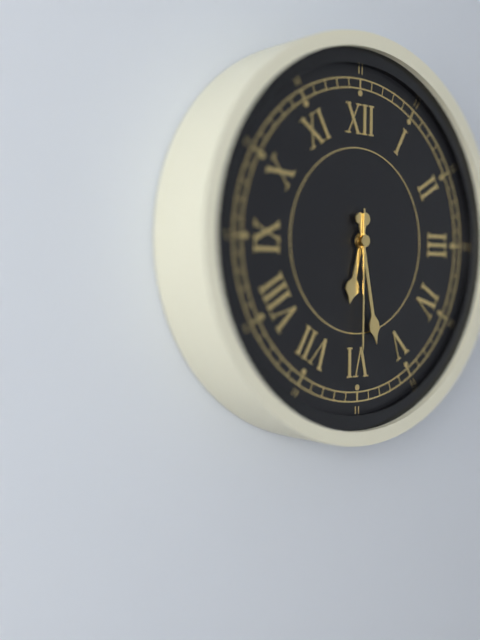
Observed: 6h28m30s
